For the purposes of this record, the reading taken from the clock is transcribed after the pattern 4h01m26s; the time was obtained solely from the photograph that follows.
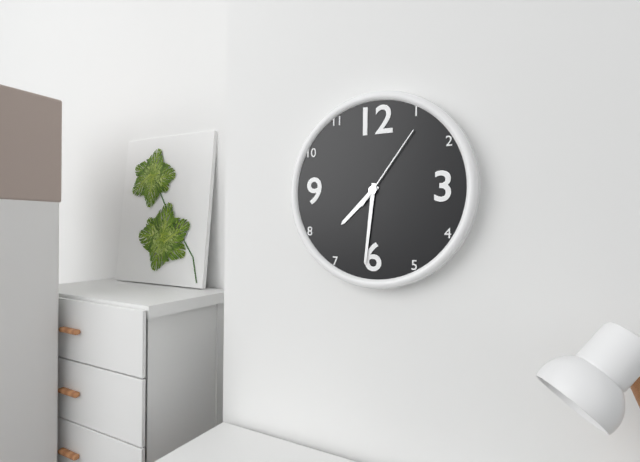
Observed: 7h31m06s
